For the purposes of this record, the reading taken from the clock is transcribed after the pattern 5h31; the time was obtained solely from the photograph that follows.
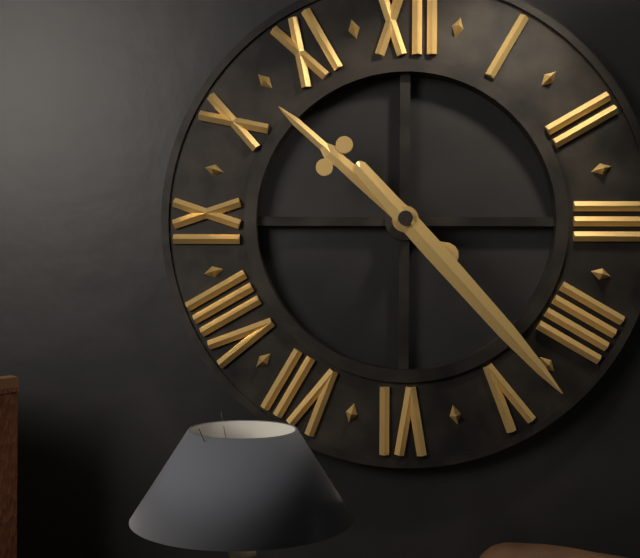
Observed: 10h23
